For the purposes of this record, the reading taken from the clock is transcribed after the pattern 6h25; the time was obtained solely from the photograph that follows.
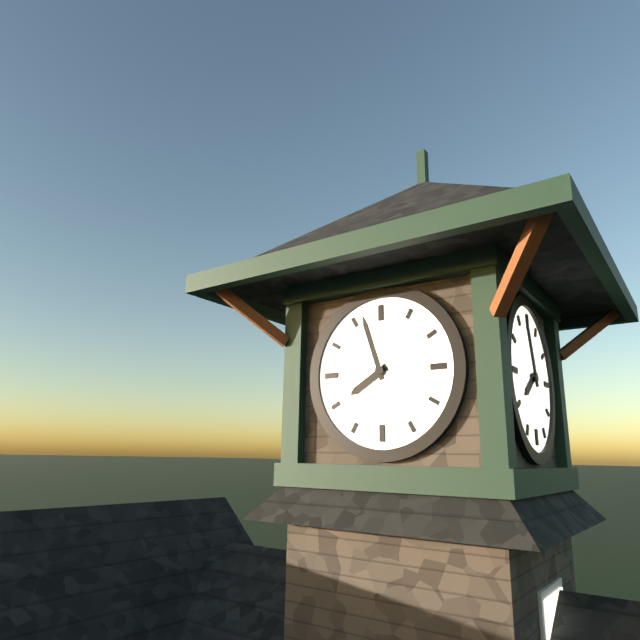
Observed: 7h57
